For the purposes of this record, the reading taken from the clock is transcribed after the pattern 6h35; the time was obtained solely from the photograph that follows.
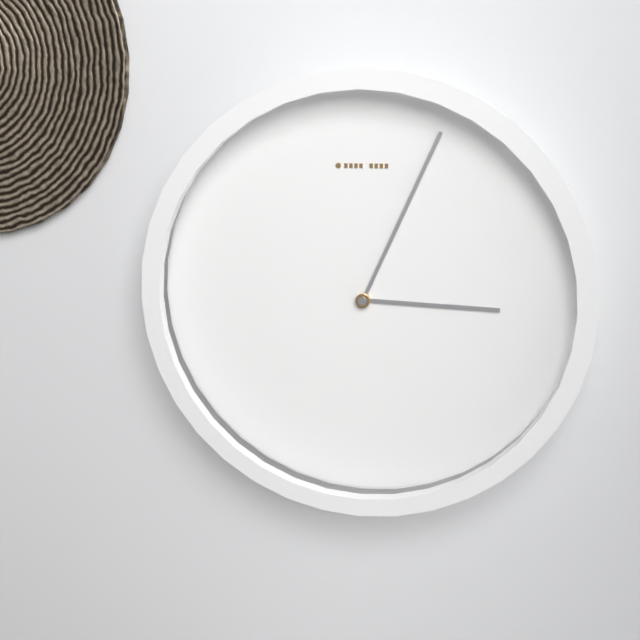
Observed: 3h04
